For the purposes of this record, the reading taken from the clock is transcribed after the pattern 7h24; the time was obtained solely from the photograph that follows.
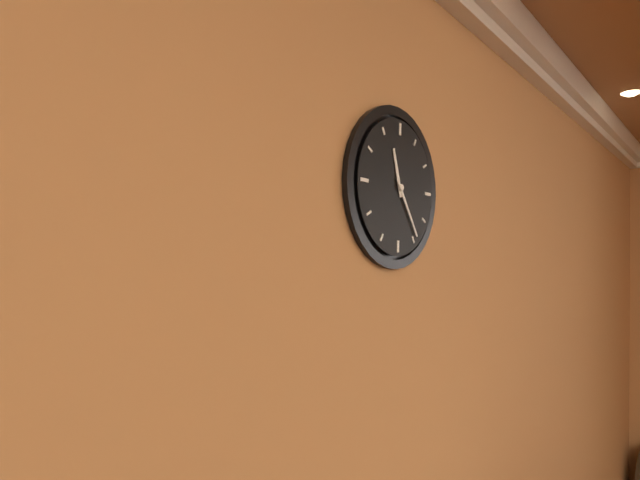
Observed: 11h24
